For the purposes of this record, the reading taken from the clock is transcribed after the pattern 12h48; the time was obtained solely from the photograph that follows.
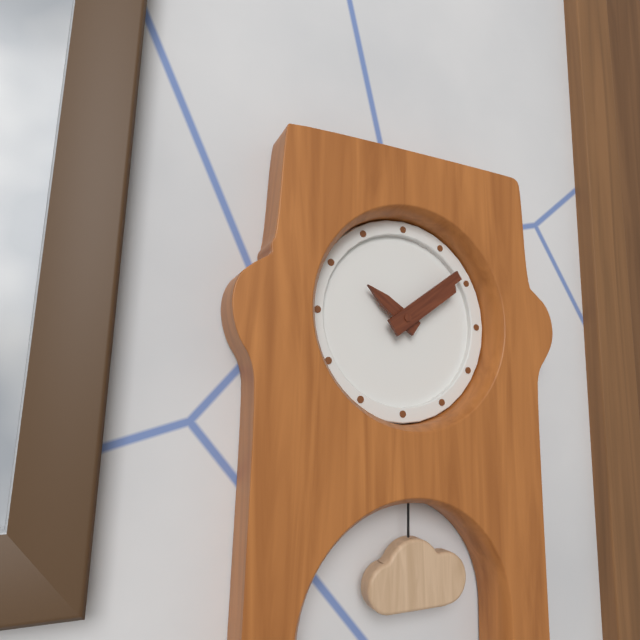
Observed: 10h09
